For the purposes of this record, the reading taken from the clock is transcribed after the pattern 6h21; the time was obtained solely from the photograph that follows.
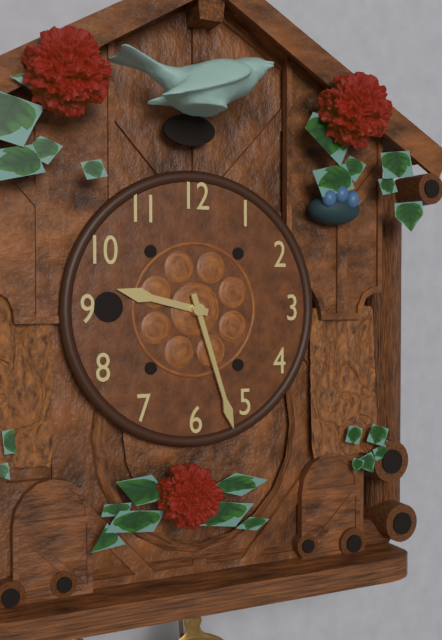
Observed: 9h27
